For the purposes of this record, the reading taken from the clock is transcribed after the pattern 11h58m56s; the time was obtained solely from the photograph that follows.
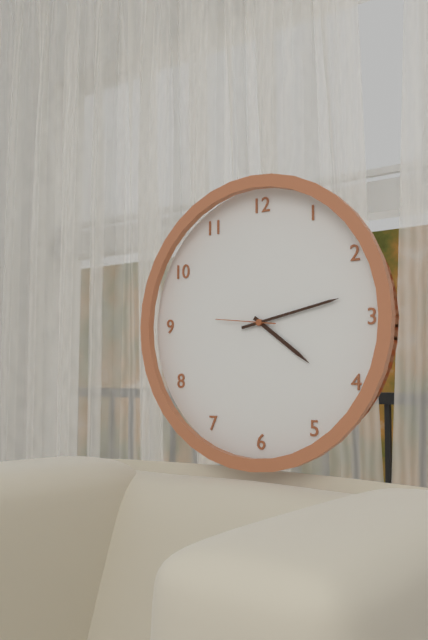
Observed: 4h13m46s
